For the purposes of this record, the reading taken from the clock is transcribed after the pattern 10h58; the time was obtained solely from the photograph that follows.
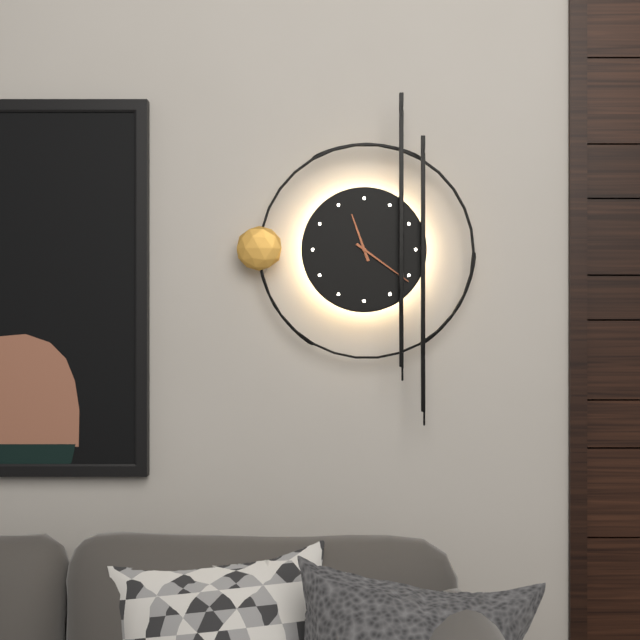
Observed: 11h21
